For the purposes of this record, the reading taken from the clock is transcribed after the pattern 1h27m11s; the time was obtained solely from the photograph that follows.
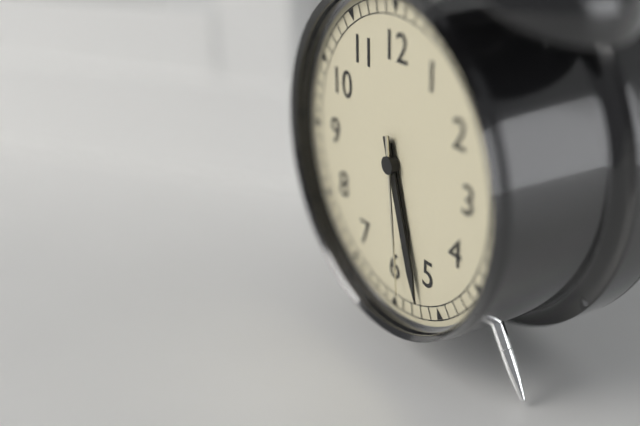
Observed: 5h27m29s
